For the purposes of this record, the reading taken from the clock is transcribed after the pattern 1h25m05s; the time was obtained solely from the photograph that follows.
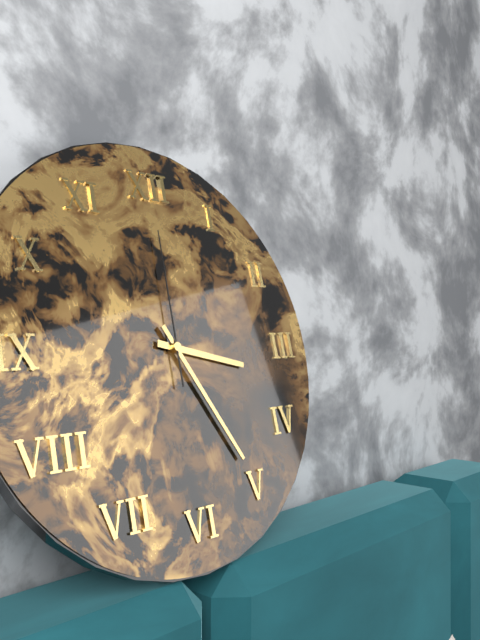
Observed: 3h25m00s
